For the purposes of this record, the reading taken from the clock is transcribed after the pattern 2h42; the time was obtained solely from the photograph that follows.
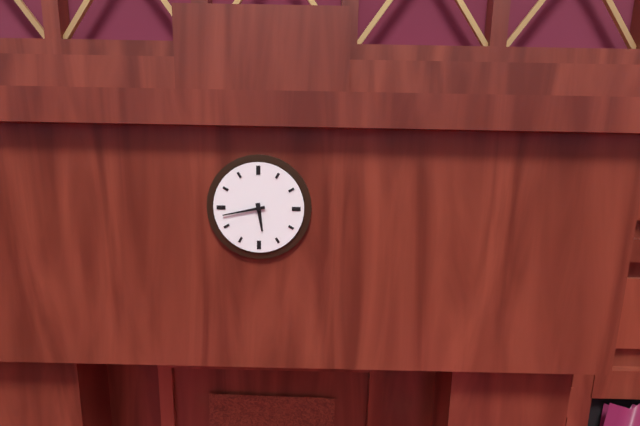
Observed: 5h43
